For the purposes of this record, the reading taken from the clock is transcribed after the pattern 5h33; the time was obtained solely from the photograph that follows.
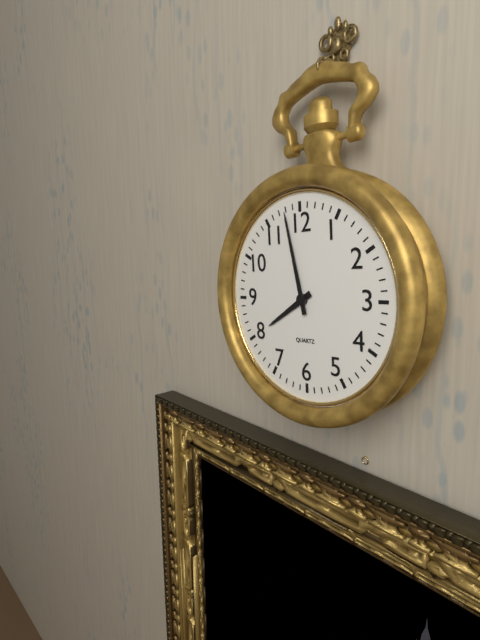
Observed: 7h58
